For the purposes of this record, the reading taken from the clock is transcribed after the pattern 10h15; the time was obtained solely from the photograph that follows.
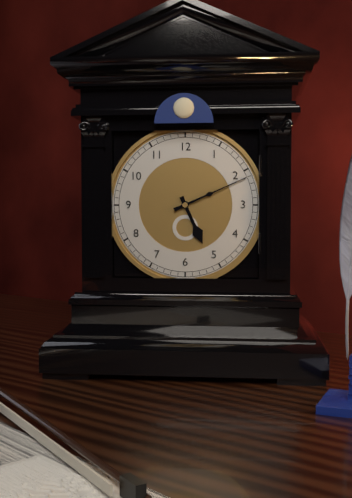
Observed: 5h11
